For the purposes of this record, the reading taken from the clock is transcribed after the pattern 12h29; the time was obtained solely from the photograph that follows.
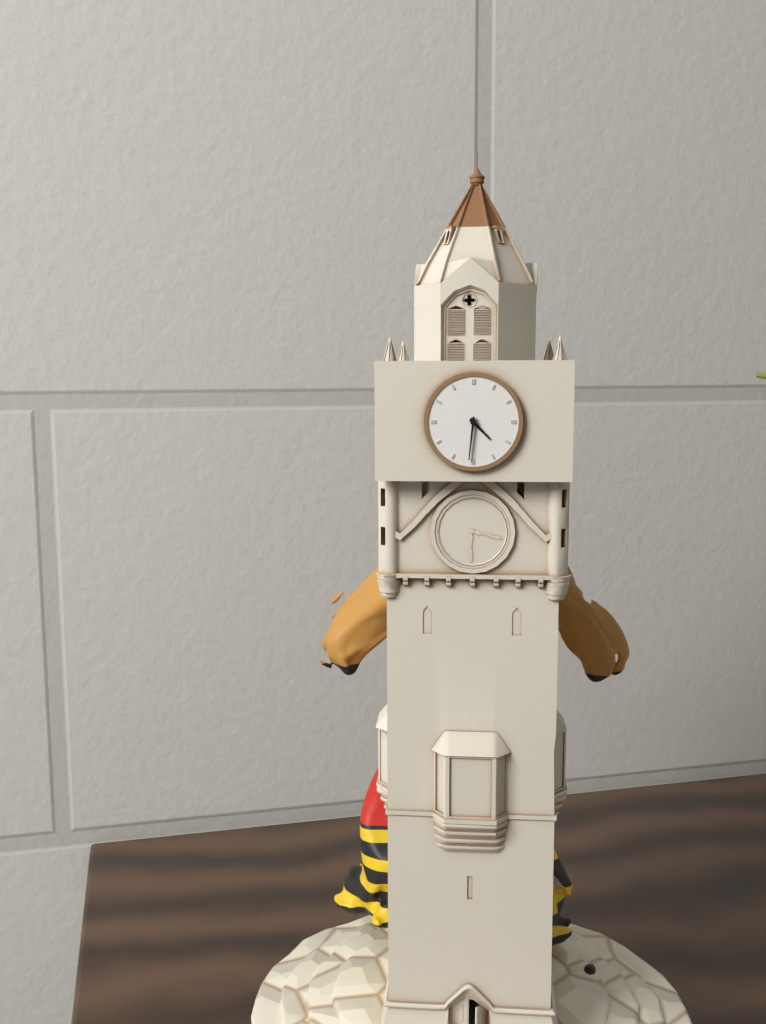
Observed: 4h31
